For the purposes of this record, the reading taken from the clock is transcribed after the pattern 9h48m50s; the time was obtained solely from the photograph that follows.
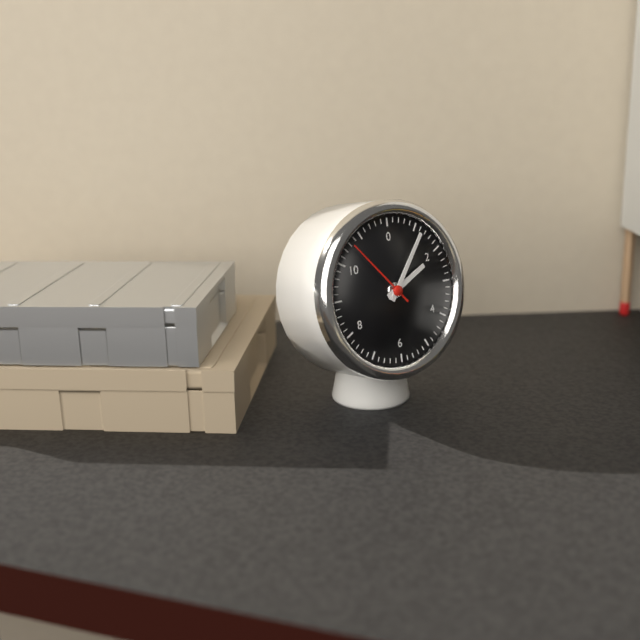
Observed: 2h06m53s
